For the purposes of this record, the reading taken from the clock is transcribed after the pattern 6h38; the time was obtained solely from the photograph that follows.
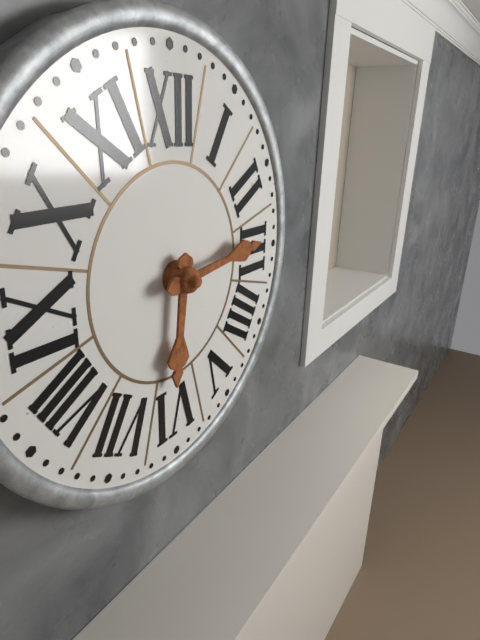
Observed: 6h14
